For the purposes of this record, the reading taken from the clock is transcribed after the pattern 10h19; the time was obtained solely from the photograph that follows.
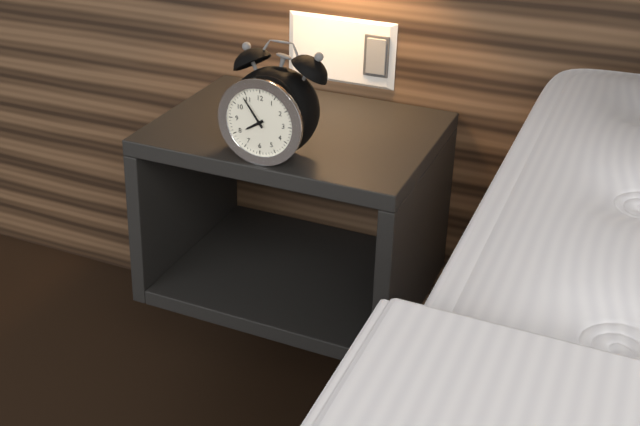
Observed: 7h54
